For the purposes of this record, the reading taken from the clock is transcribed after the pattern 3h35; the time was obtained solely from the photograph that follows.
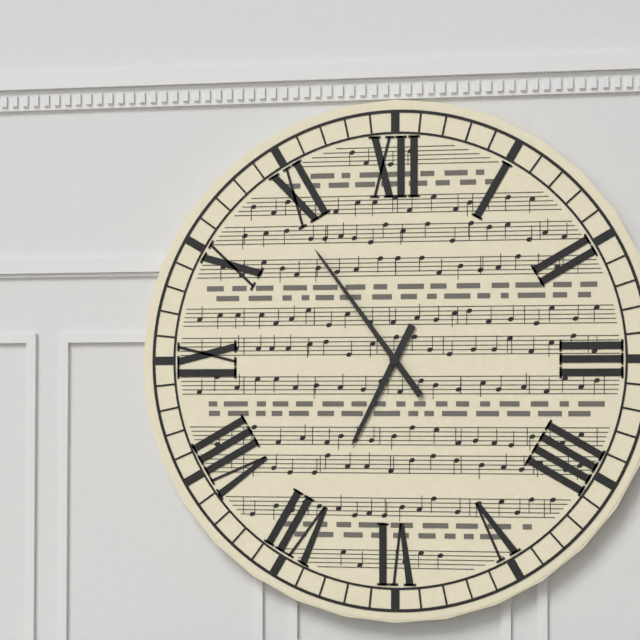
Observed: 6h54
